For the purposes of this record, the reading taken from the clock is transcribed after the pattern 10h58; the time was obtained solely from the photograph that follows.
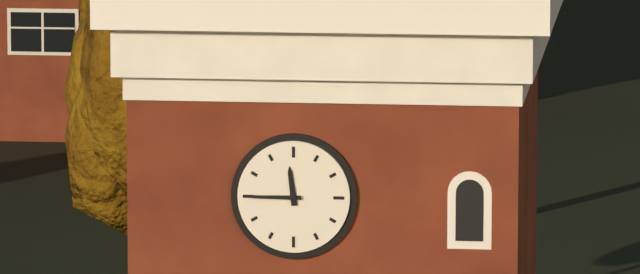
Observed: 11h45
